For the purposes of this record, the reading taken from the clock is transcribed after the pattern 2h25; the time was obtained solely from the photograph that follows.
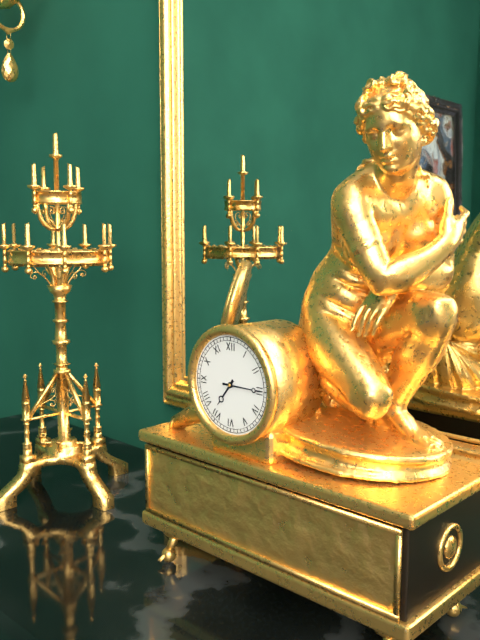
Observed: 7h15
